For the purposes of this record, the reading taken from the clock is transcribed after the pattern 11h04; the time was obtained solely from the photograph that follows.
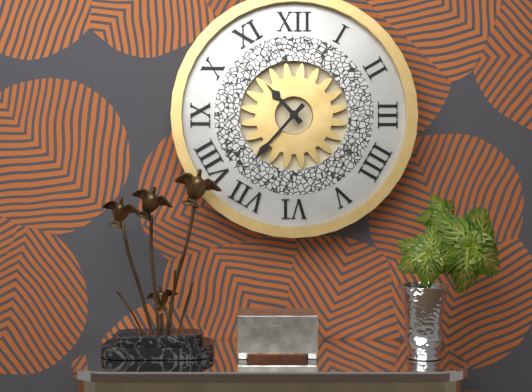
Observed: 10h37
